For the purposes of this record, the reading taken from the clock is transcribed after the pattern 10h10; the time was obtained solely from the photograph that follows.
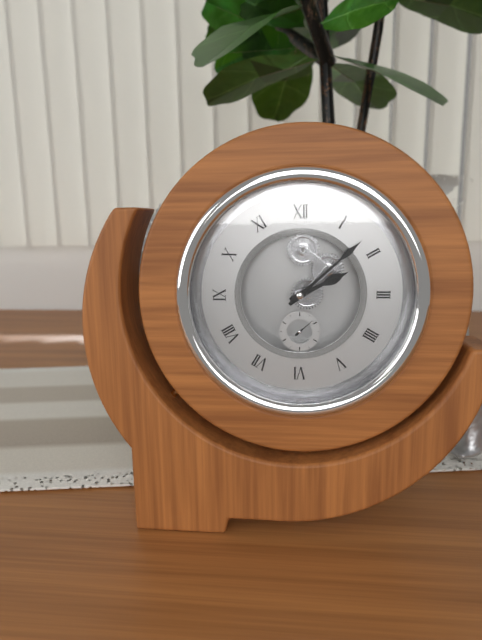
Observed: 2h08
